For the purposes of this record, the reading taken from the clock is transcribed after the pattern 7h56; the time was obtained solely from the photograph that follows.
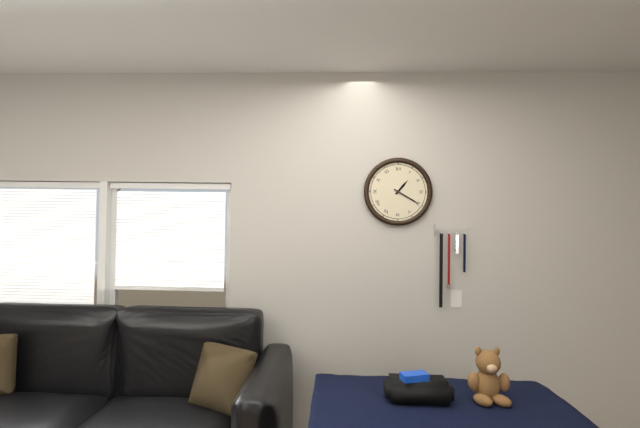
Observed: 1h20
